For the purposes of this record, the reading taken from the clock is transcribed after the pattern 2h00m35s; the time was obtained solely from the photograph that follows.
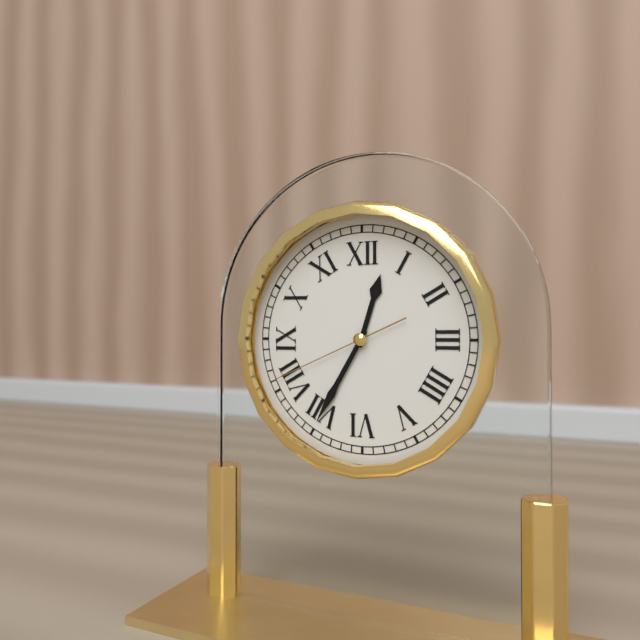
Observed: 12h35m41s
